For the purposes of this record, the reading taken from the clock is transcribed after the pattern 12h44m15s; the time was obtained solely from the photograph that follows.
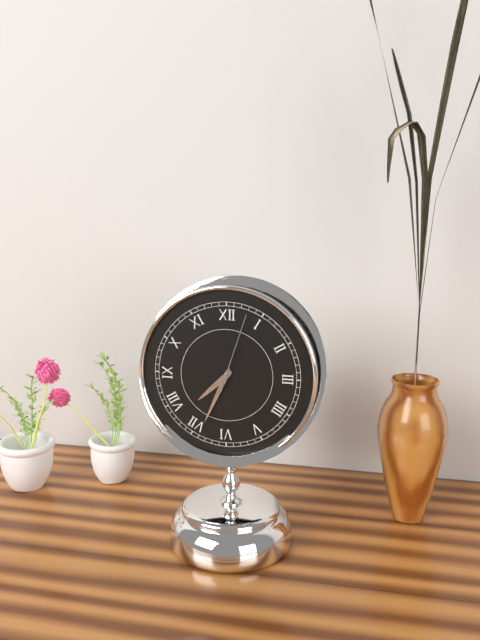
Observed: 7h34m03s
